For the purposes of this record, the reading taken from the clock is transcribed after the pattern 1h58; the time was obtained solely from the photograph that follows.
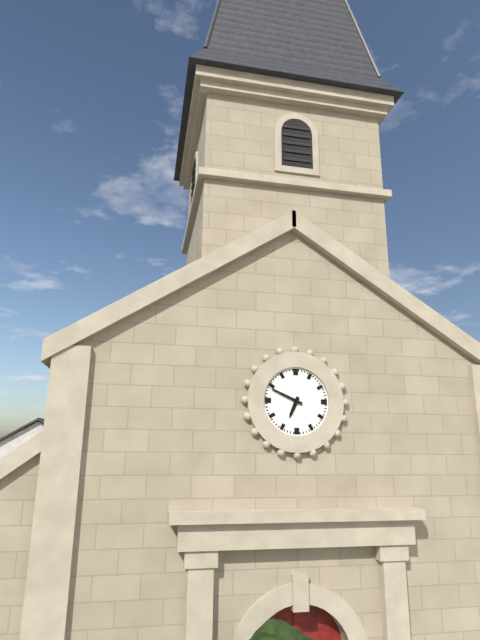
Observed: 6h49
